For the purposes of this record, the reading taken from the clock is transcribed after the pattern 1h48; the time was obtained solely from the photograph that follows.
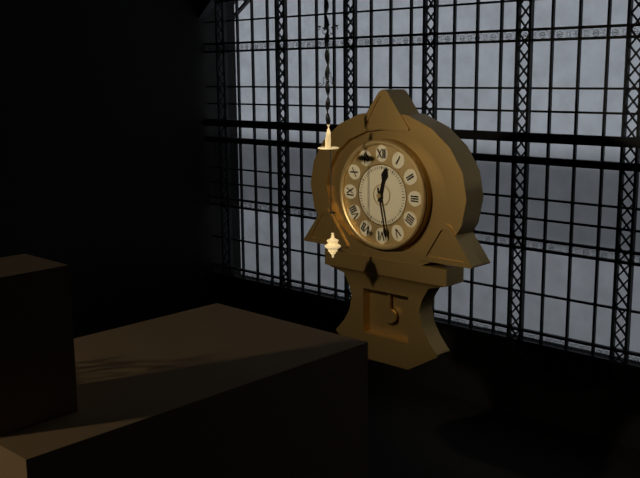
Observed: 12h28
